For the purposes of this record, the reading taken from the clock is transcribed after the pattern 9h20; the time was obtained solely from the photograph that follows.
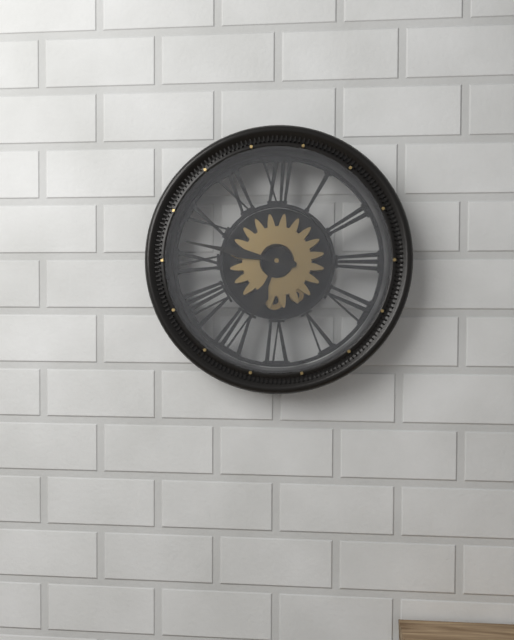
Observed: 6h47
